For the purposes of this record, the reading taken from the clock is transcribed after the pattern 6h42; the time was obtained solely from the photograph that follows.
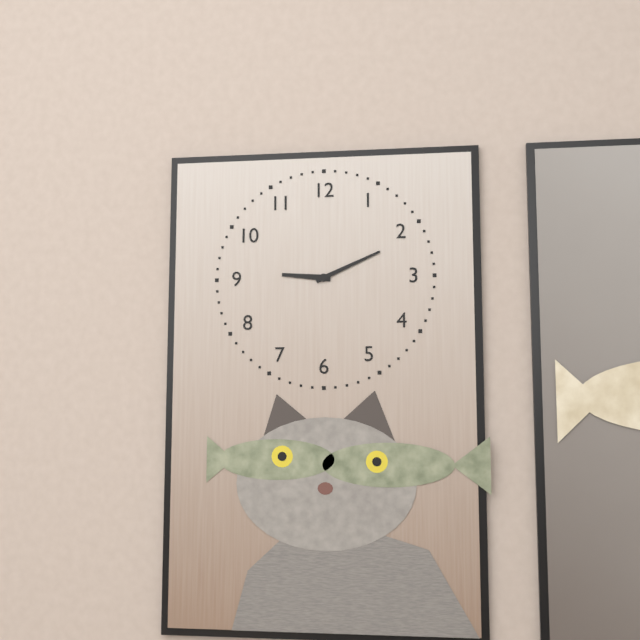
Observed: 9h11
